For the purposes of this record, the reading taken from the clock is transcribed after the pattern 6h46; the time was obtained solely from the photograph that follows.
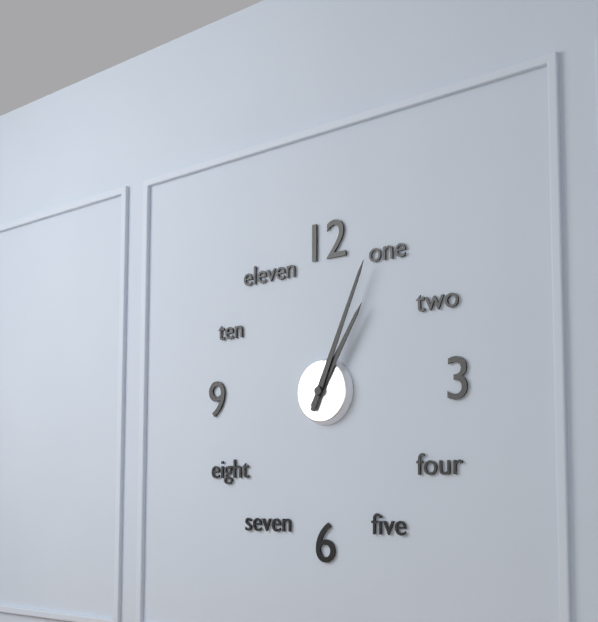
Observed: 1h04
